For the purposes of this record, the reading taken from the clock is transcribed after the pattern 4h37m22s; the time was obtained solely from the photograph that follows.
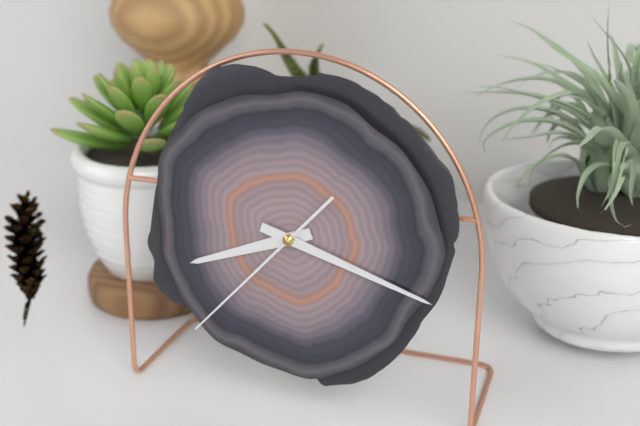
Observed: 8h18m37s
